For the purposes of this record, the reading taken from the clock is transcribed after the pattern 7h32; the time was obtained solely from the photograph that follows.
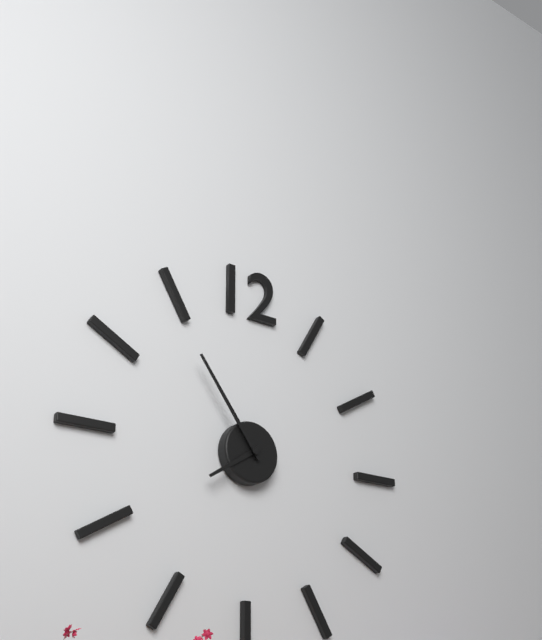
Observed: 7h54
